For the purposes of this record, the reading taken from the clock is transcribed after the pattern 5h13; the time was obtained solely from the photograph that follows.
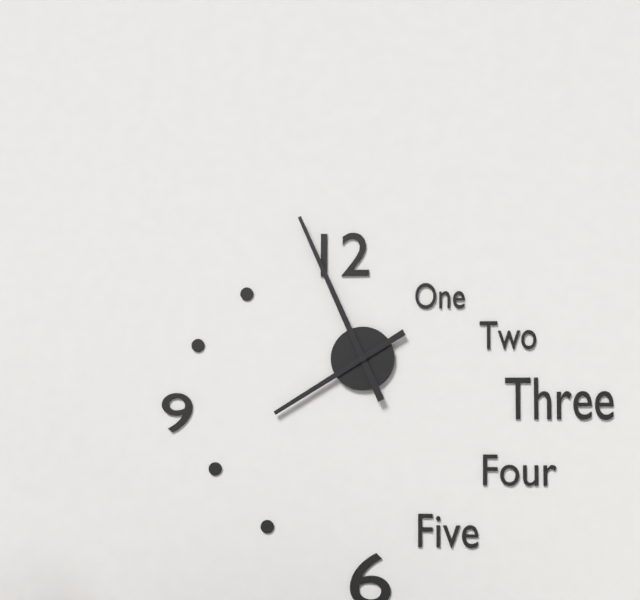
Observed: 7h56
